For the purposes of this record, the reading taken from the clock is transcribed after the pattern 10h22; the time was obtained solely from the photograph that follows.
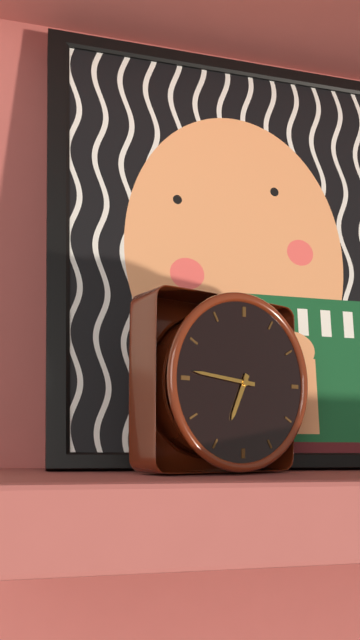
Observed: 6h46
